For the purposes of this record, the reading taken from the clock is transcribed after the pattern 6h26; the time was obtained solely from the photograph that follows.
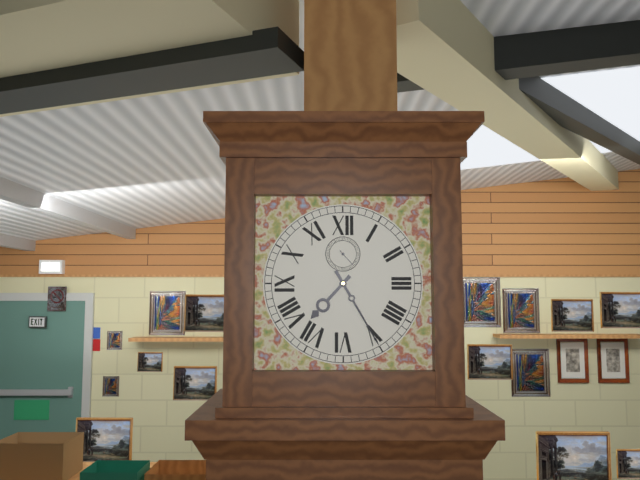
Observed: 7h25
